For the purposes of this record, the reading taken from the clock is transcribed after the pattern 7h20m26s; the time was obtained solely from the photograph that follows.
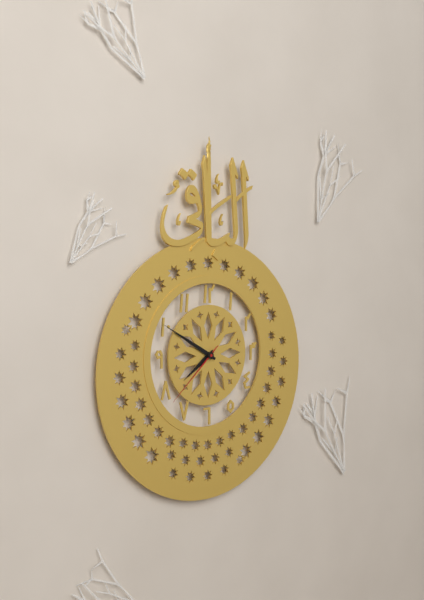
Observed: 7h50m38s
